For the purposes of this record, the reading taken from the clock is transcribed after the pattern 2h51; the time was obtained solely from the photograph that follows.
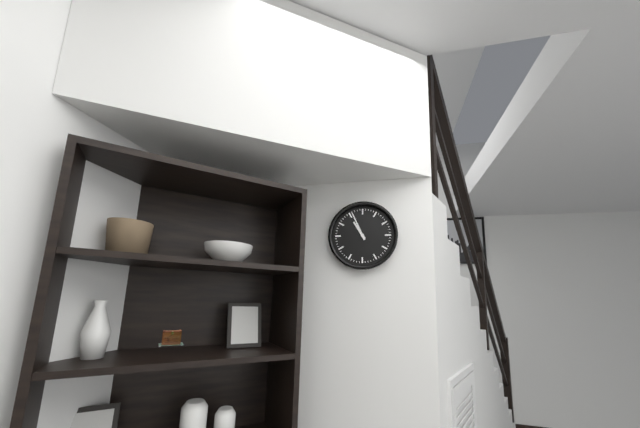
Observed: 10h56
